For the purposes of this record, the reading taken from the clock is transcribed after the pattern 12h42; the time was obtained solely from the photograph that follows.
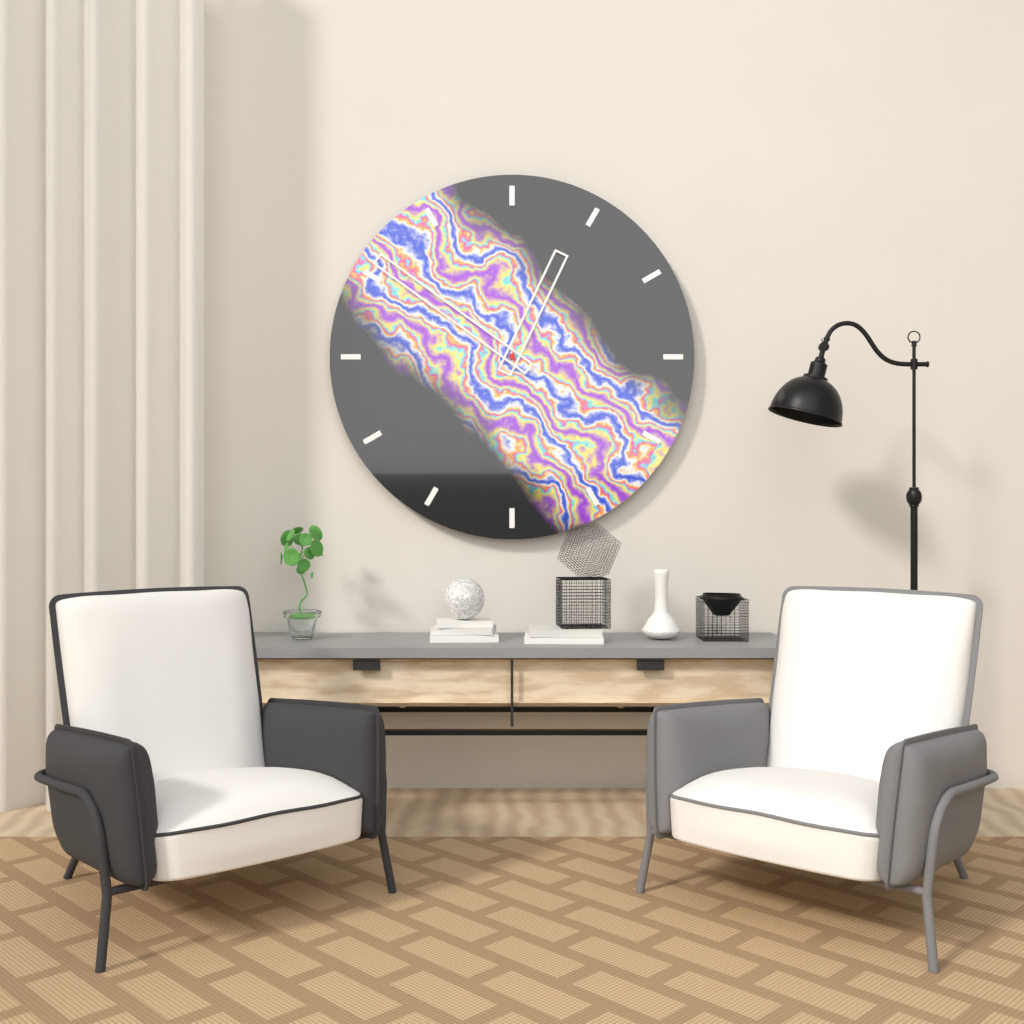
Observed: 12h51
